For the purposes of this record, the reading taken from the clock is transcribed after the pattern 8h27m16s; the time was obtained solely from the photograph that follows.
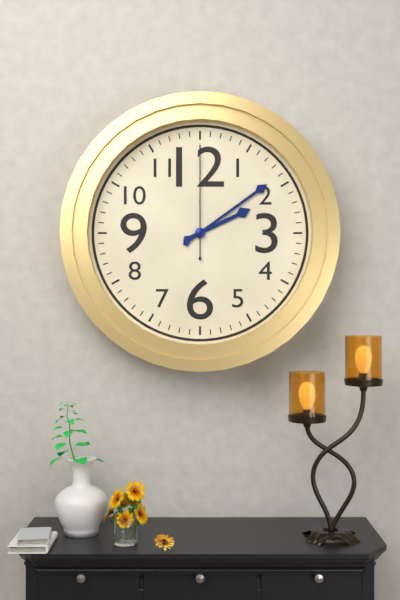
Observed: 2h09m00s
